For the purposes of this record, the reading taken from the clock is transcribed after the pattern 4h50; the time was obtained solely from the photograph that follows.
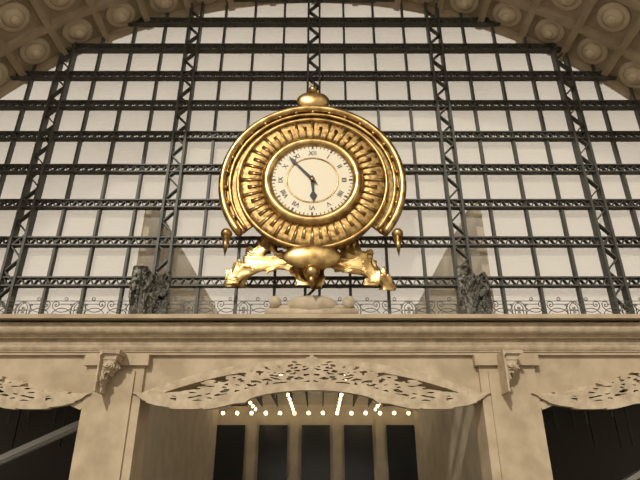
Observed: 5h53
